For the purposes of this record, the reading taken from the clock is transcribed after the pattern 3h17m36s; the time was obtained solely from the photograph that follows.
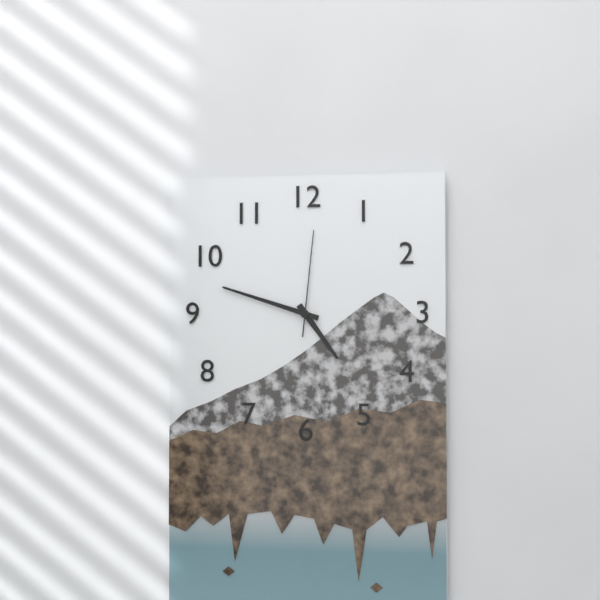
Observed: 4h48m01s
